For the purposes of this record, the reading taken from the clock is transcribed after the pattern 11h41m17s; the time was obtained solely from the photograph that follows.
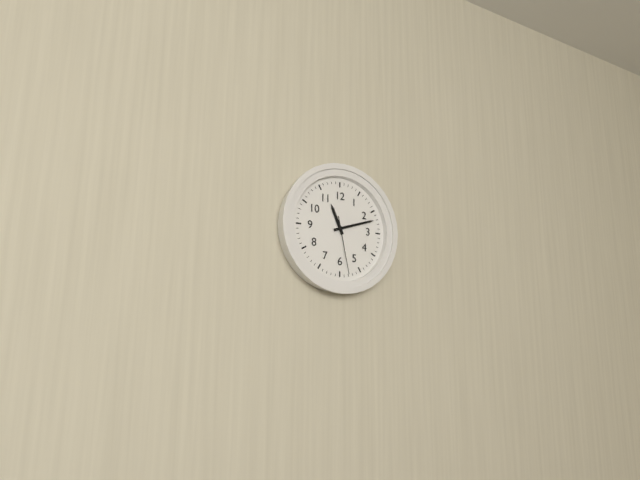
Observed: 11h12m28s
